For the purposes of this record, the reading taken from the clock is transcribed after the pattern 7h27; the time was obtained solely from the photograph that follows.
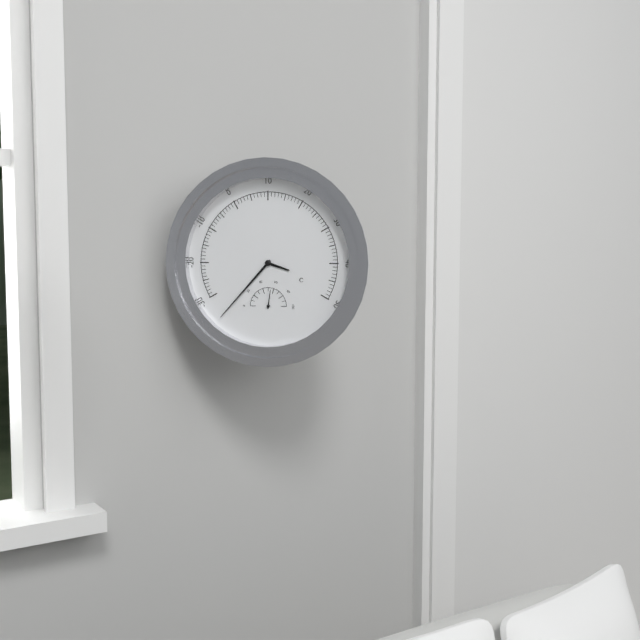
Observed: 3h37
